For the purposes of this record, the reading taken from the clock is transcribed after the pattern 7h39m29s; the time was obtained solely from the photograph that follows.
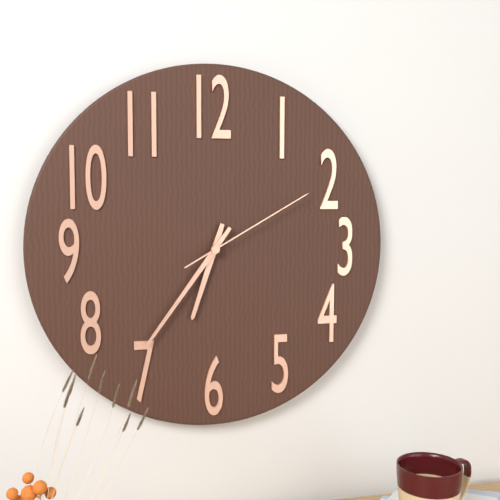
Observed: 6h36m10s
